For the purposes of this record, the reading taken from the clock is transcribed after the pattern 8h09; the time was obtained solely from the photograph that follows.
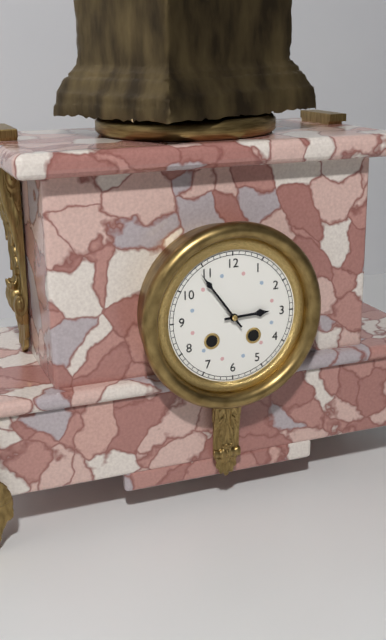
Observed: 2h54
